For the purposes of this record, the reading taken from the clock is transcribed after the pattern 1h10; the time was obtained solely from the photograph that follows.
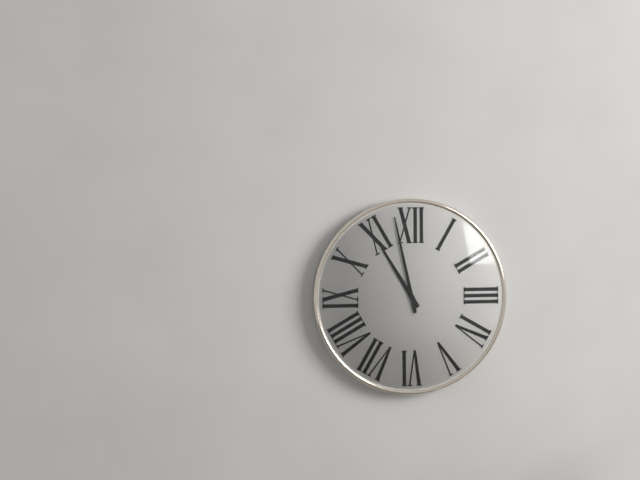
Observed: 10h58
